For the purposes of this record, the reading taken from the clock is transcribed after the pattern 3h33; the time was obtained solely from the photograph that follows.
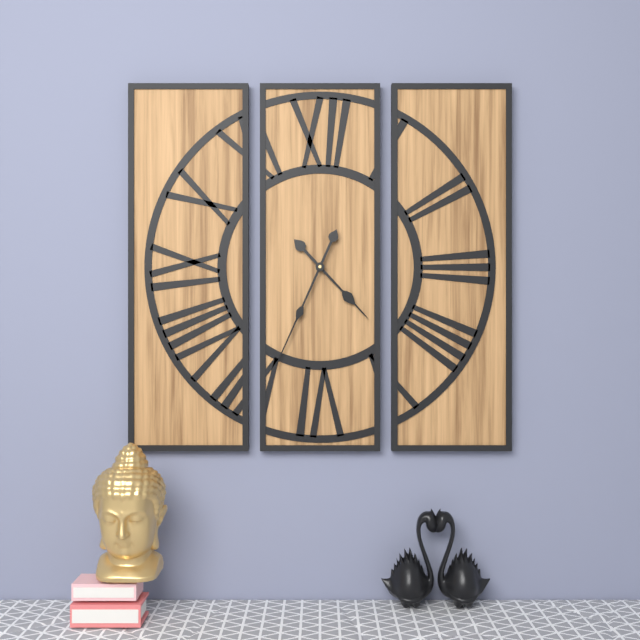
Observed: 4h34
